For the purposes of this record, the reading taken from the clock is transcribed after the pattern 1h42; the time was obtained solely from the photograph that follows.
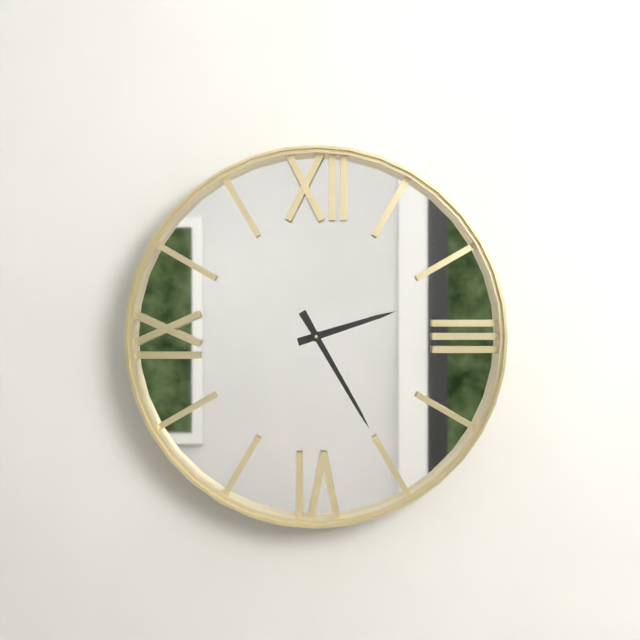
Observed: 2h25
